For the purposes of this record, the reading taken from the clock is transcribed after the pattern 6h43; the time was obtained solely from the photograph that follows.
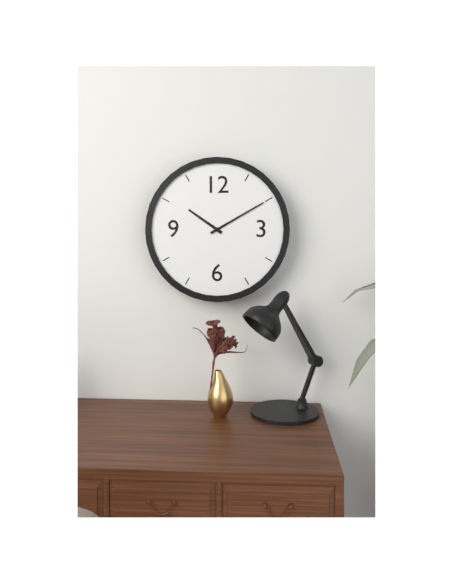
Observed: 10h10
